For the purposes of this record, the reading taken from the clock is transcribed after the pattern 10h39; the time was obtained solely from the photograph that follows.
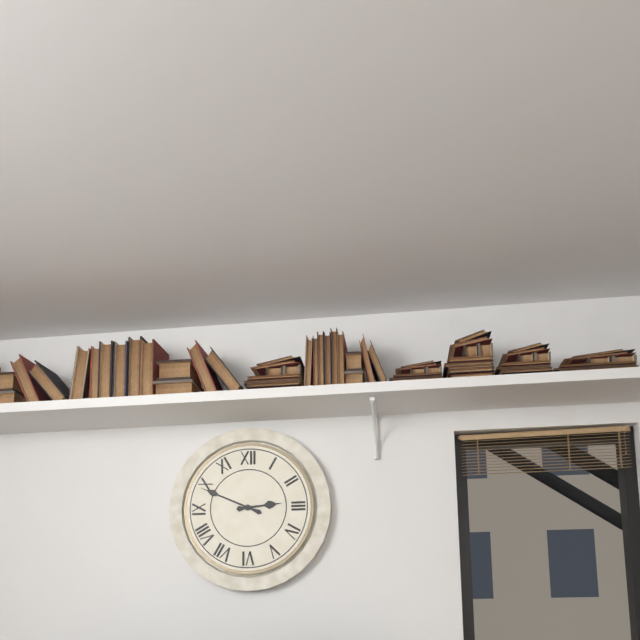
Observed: 2h49
